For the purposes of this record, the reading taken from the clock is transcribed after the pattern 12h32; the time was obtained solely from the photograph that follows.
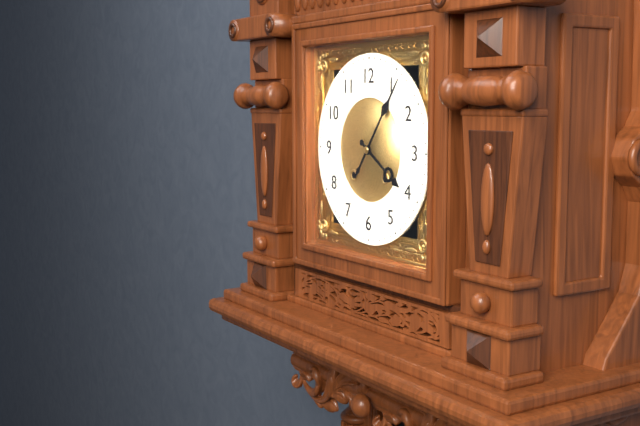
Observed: 4h06
